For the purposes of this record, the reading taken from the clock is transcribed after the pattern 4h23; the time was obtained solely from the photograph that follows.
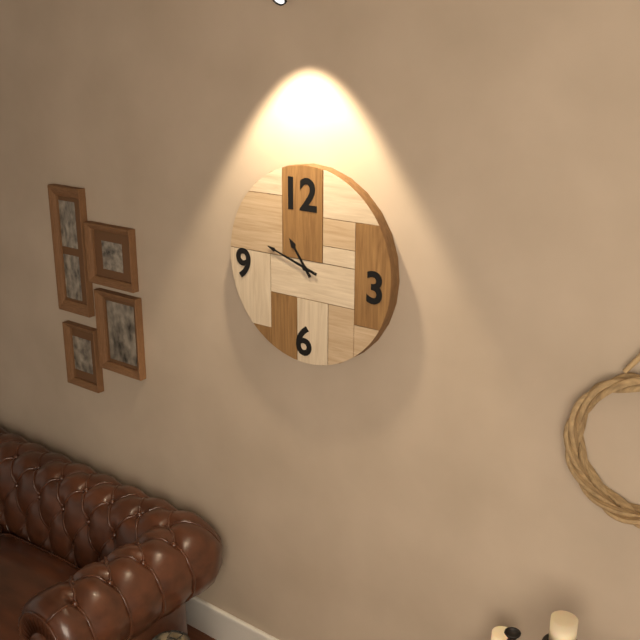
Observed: 10h48
